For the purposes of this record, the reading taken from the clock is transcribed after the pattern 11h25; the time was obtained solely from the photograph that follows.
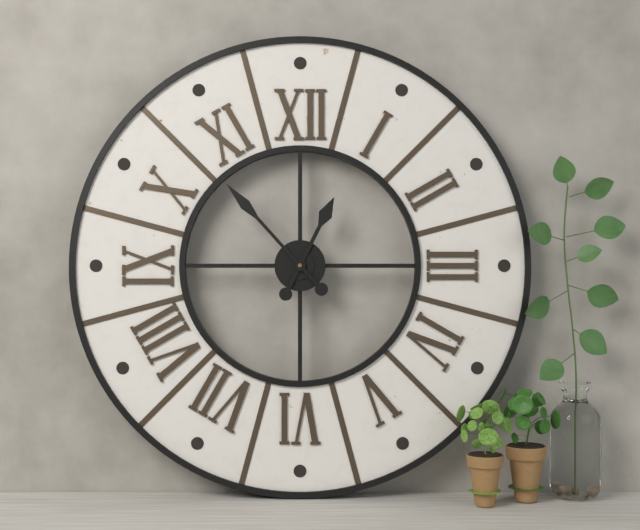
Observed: 12h53
